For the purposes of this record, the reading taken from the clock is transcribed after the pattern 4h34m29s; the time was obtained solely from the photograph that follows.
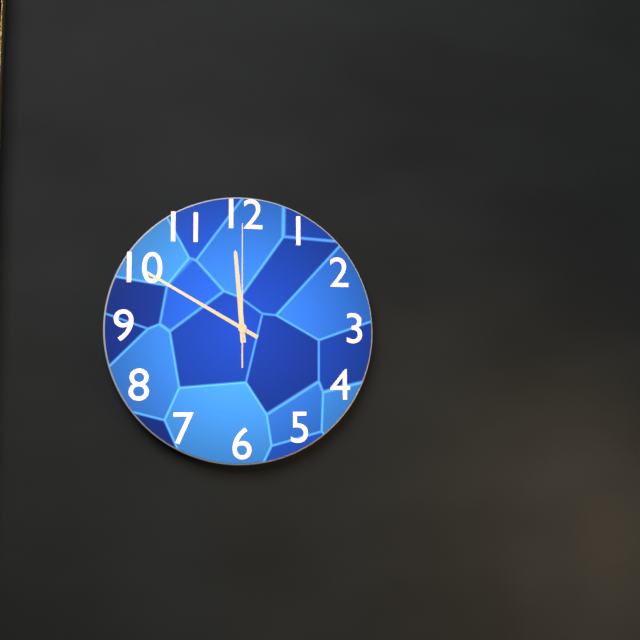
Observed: 11h50m00s
